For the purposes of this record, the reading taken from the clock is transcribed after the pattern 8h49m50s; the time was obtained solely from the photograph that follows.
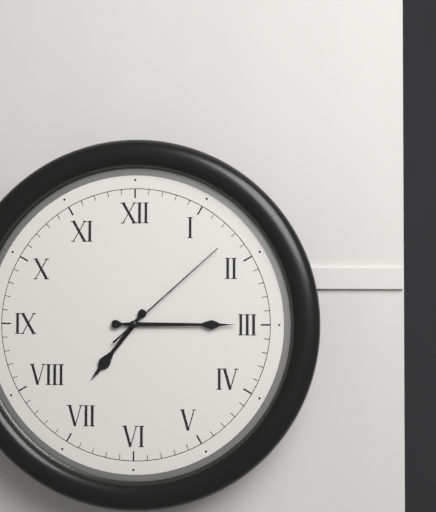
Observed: 7h15m08s
